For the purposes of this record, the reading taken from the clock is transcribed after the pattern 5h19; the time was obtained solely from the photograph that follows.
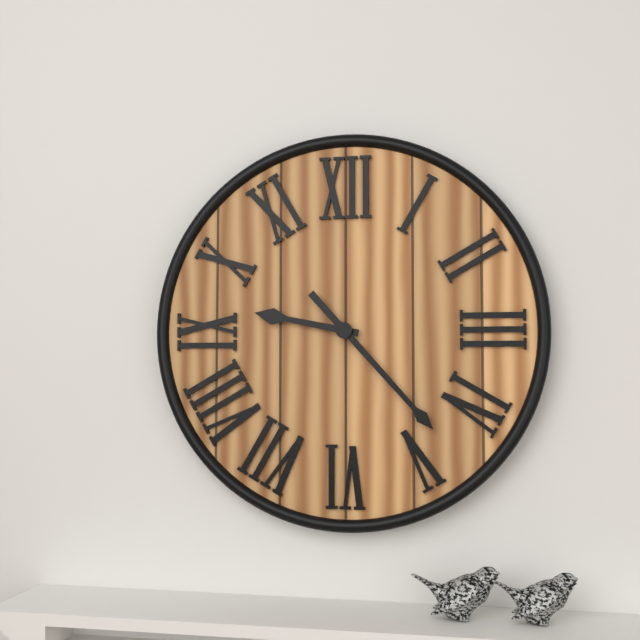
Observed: 9h23
